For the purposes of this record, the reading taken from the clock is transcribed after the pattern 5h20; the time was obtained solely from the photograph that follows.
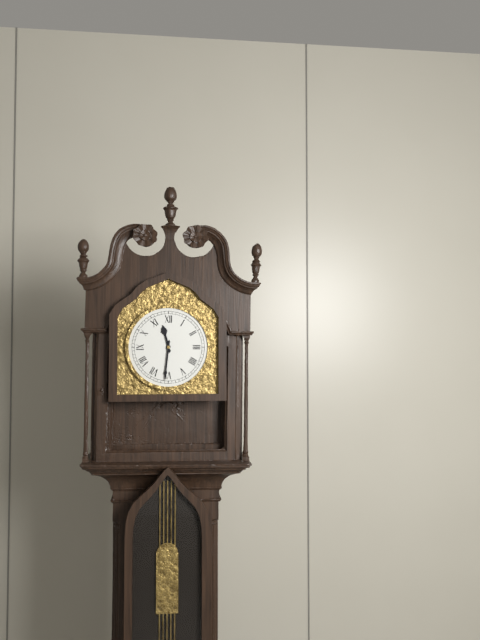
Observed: 11h31
